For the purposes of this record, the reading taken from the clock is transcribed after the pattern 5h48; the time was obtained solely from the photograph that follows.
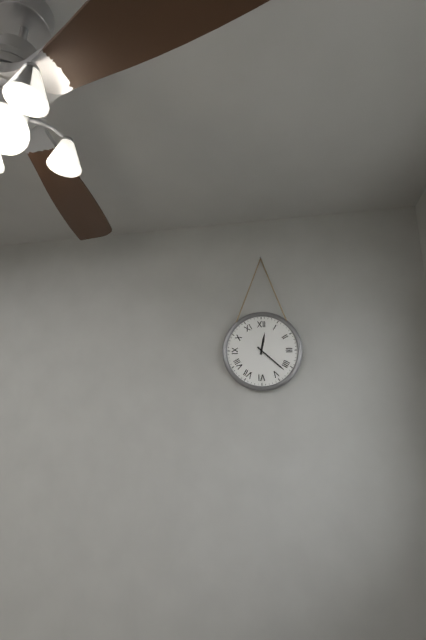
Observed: 12h22
